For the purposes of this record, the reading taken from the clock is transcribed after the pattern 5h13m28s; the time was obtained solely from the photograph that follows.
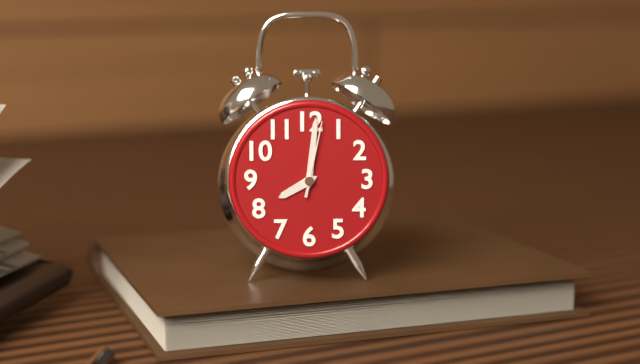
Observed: 8h01m02s
